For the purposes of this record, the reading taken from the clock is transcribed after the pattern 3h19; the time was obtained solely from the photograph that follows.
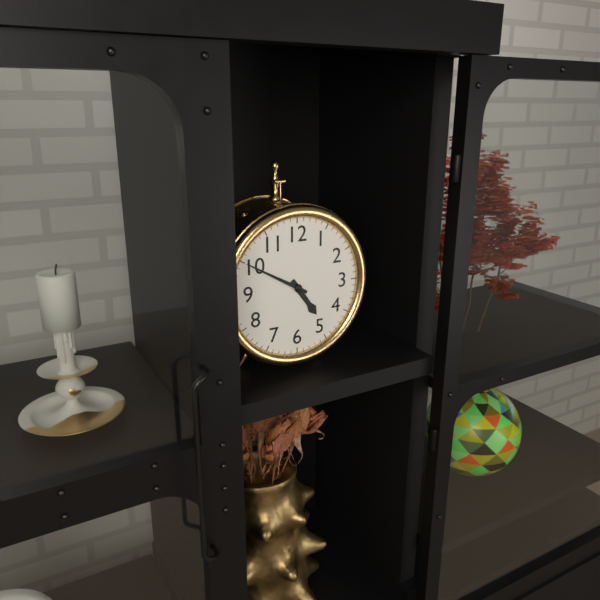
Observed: 4h50
